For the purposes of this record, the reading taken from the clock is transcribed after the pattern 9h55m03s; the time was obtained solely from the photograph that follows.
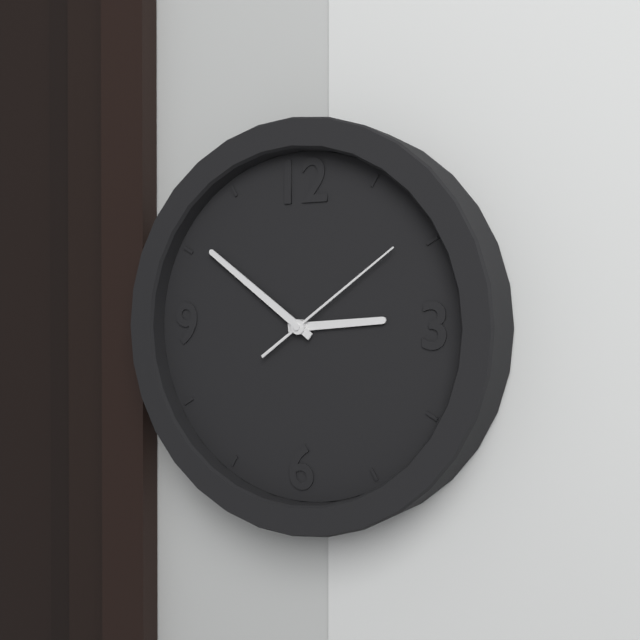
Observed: 2h51m09s
